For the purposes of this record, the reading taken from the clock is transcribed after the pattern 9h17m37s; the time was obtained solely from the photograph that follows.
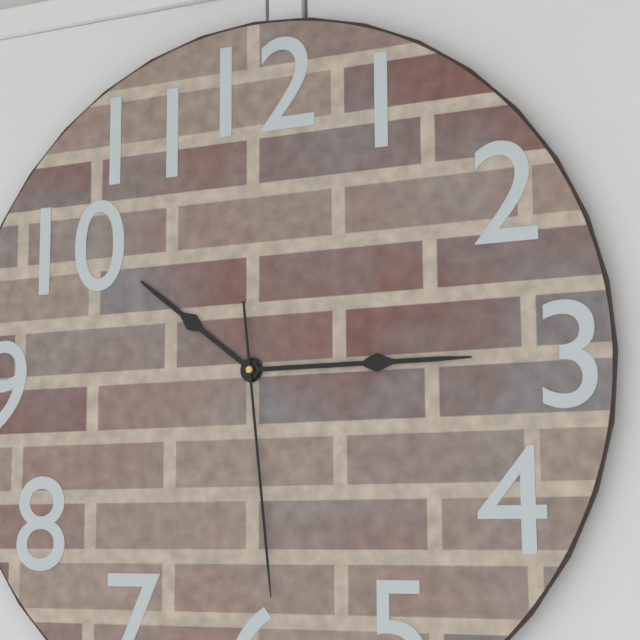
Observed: 10h15m29s
